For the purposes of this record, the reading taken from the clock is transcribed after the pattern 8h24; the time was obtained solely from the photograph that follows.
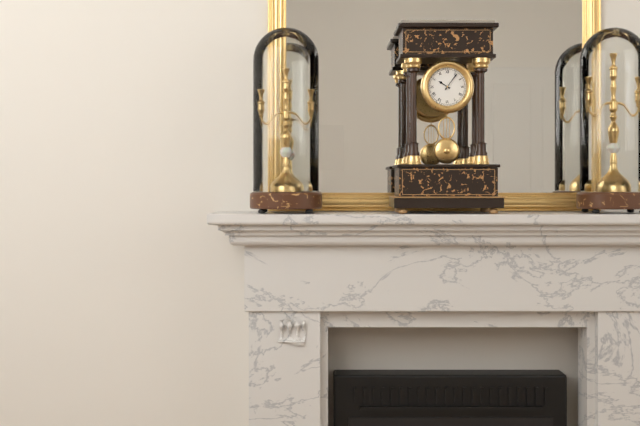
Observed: 10h06
